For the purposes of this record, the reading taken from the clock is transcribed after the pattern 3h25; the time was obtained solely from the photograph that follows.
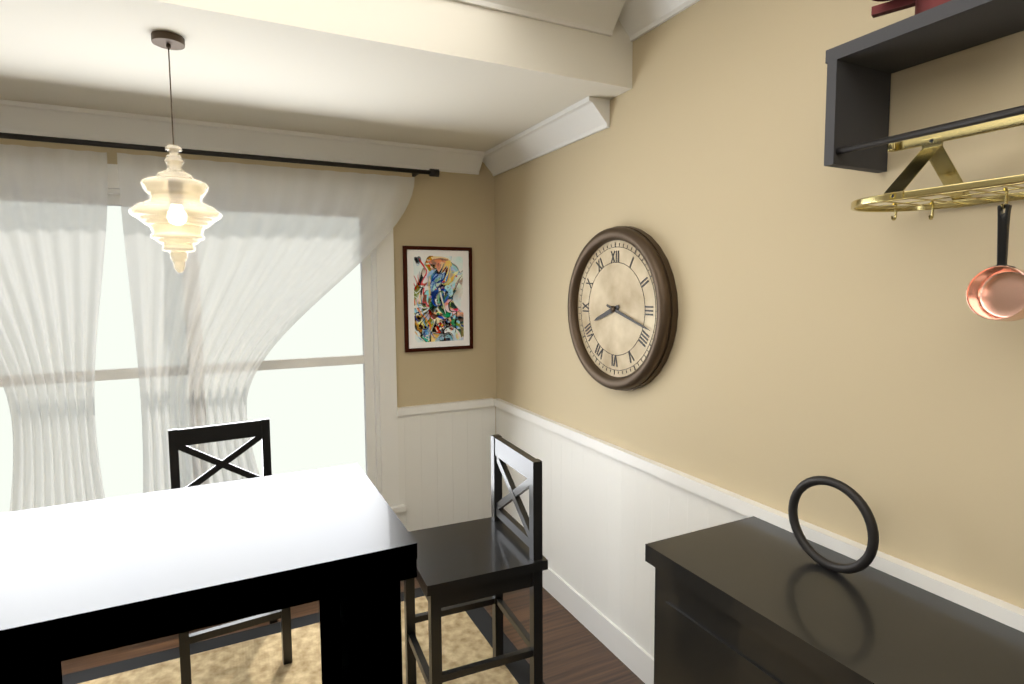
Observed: 8h18
